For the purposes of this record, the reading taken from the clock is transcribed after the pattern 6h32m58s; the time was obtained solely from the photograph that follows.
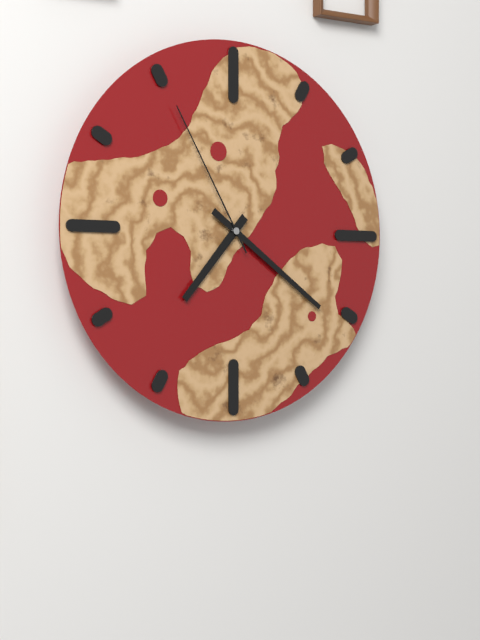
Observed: 7h21m55s
